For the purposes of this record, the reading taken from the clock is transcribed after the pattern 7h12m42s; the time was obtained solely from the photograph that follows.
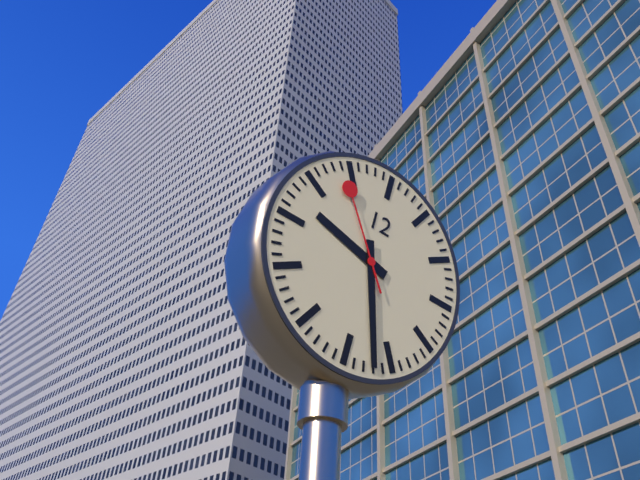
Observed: 9h27m54s
